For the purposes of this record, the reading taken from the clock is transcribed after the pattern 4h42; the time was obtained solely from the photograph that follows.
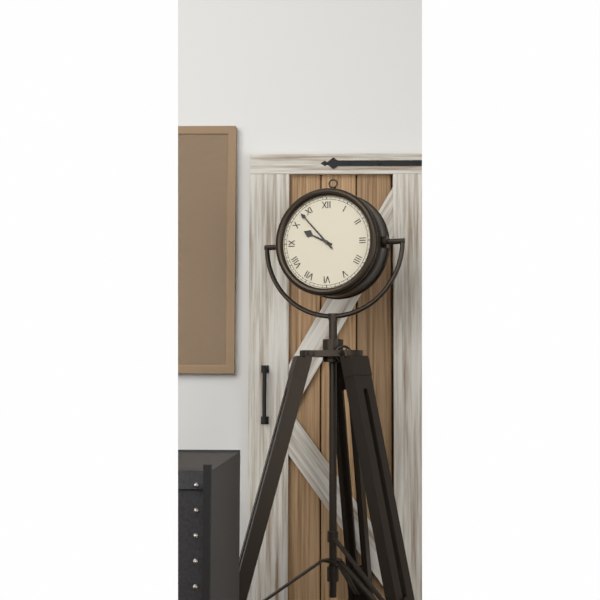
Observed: 9h53
